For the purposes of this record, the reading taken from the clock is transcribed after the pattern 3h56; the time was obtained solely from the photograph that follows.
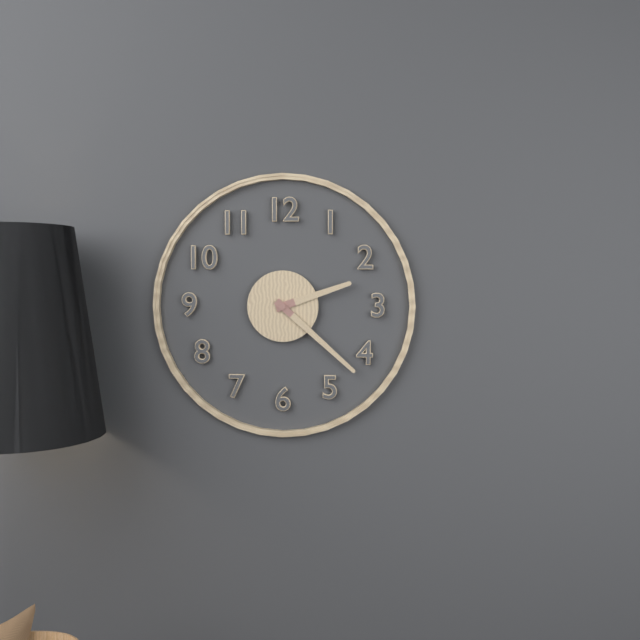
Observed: 2h22
